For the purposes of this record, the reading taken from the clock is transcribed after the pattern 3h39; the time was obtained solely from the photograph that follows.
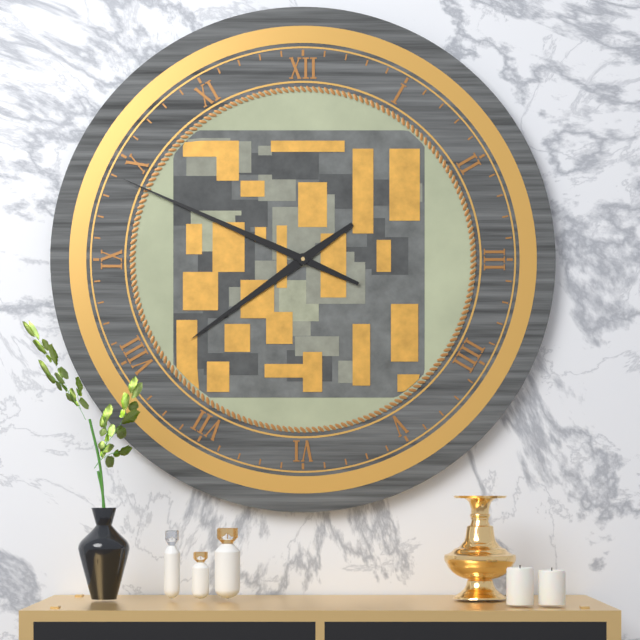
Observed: 7h49
